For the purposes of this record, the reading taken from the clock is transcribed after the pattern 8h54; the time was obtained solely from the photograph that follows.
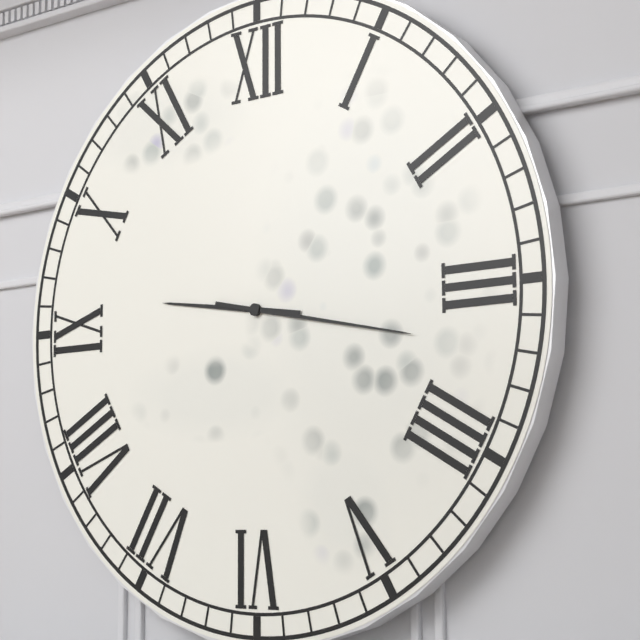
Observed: 9h17
